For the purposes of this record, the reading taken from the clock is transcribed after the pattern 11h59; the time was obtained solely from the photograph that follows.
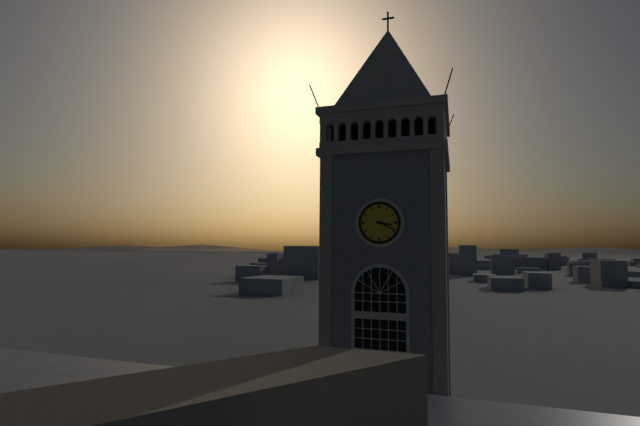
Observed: 3h19
